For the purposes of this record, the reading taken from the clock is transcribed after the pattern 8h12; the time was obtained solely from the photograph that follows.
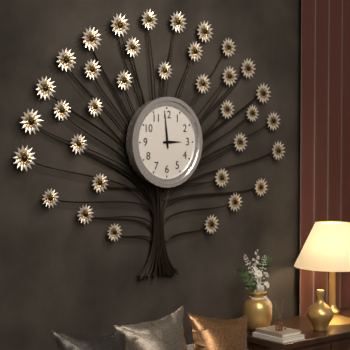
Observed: 2h59
